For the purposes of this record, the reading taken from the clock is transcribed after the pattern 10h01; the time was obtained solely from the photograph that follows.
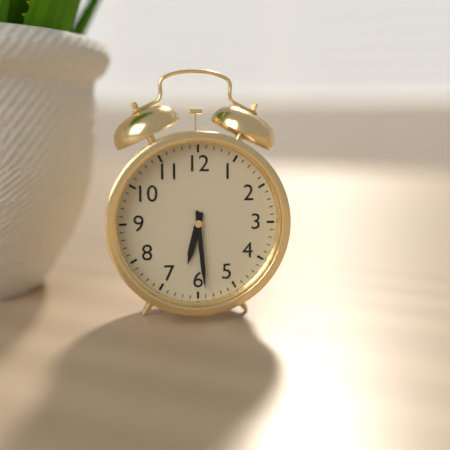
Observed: 6h29
